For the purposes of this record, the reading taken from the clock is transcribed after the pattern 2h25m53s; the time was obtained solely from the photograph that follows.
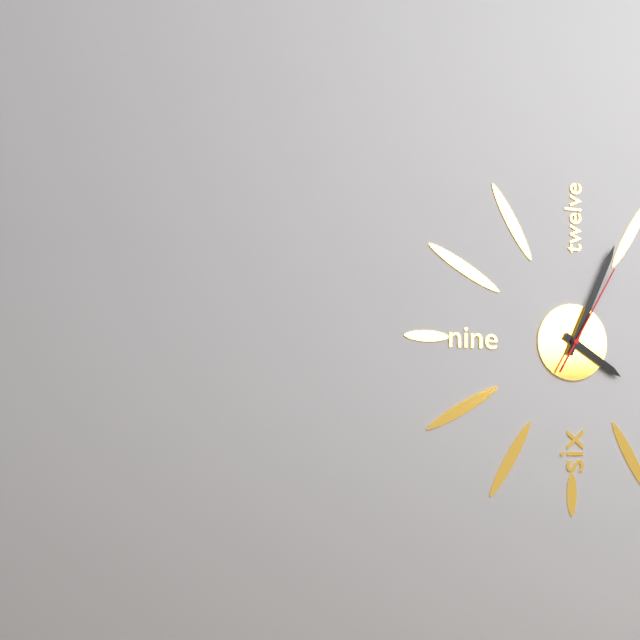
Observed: 4h04m05s
